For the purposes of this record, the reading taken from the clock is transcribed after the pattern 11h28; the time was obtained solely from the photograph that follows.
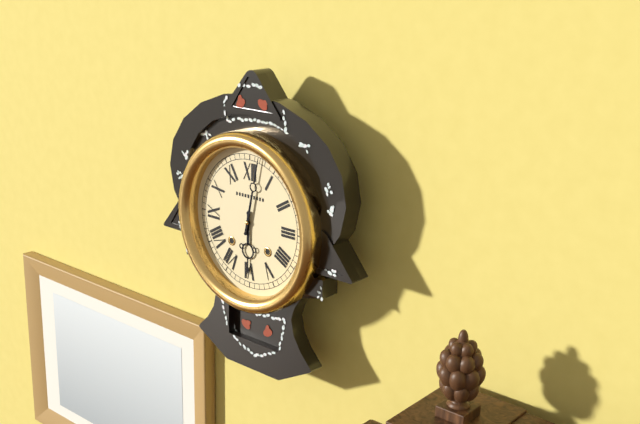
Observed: 6h02
